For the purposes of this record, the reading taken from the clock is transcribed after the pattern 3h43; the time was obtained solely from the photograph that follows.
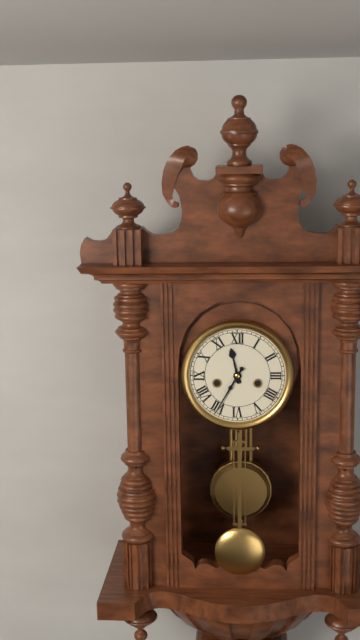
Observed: 11h35
